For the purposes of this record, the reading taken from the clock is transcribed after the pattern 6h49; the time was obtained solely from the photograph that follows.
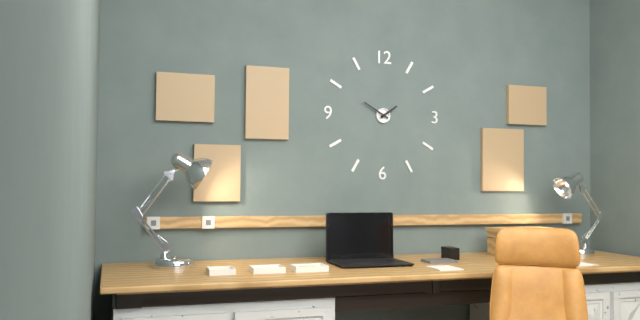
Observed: 1h50
